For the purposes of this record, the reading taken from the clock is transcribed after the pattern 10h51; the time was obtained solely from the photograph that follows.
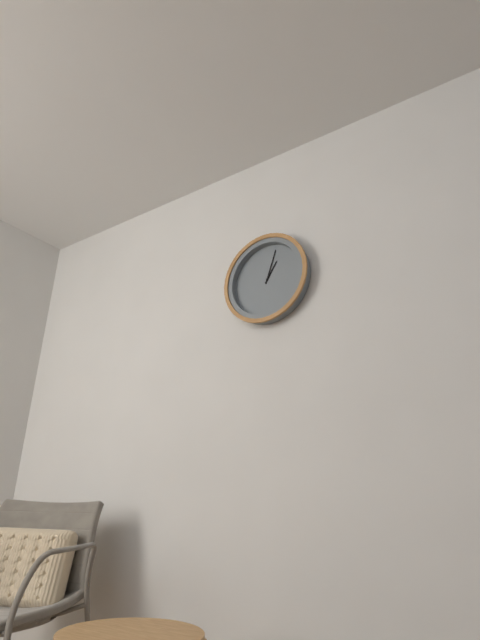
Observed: 1h03
